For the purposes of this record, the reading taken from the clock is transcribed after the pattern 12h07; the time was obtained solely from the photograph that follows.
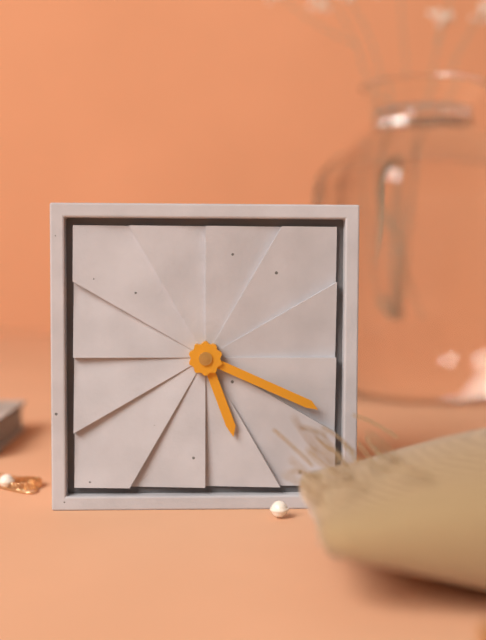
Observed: 5h19
